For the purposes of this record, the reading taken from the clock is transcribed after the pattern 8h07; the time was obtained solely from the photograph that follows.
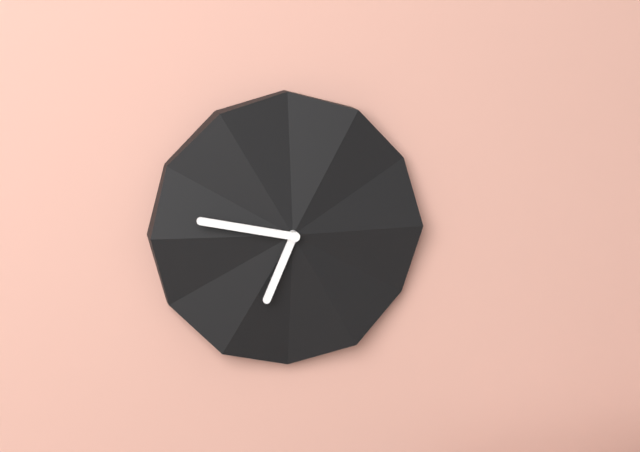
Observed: 6h47
